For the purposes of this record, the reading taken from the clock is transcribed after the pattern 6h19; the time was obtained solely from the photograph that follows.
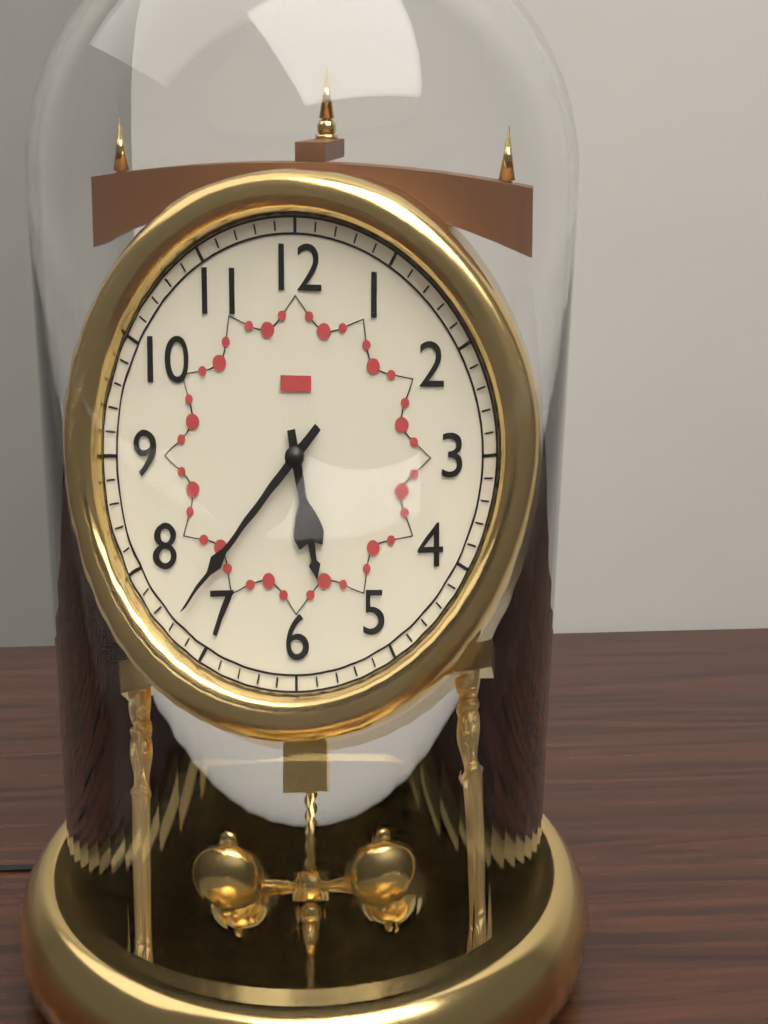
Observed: 5h37
